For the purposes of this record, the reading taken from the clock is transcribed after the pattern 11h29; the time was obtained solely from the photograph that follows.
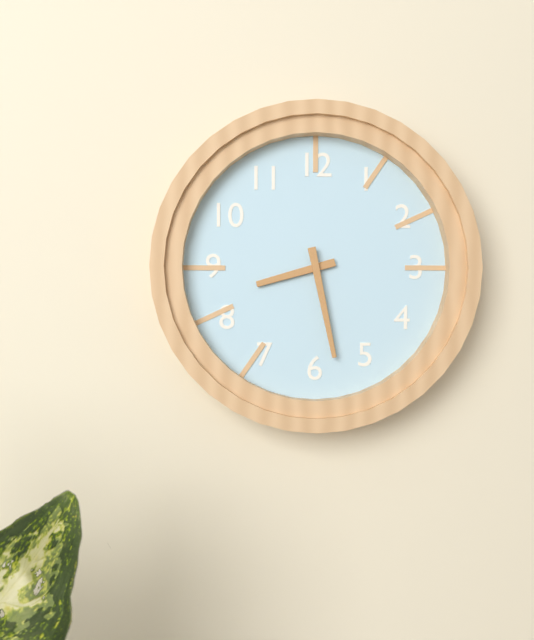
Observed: 8h28
